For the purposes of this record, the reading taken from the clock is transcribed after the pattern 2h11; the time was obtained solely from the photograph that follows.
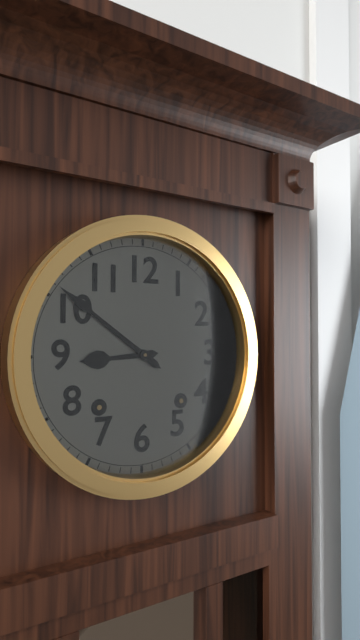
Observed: 8h51
